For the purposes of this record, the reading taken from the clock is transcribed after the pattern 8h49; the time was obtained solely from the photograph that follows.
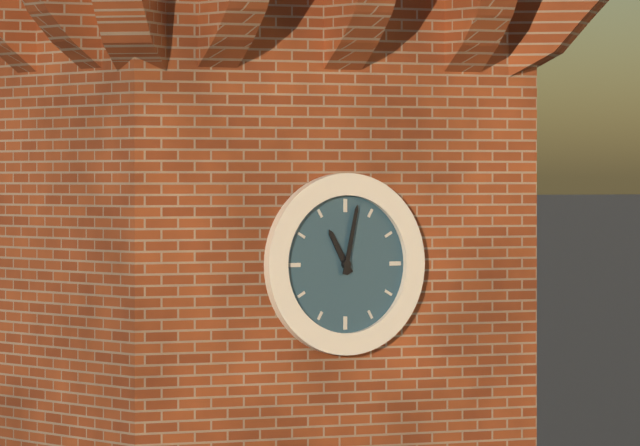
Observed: 11h02
